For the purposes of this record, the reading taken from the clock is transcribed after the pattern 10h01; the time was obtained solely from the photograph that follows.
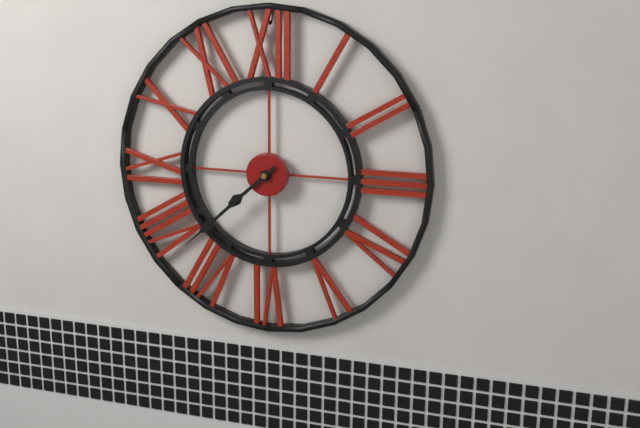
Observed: 7h38
